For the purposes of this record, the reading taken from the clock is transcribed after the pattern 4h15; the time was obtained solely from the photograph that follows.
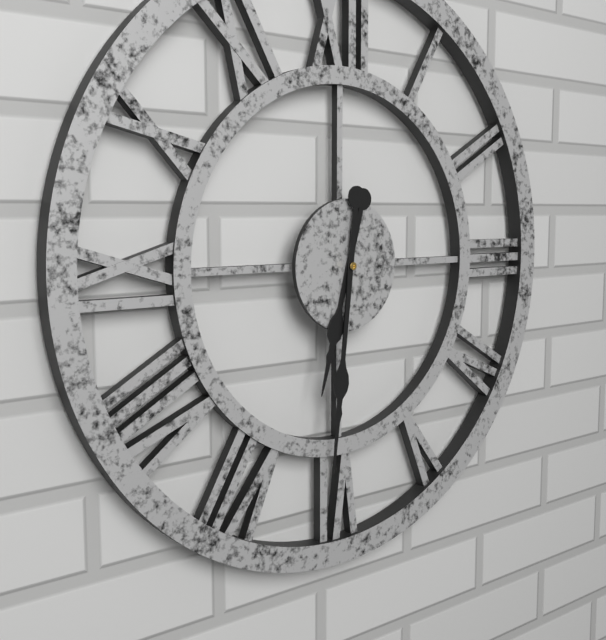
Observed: 6h31
